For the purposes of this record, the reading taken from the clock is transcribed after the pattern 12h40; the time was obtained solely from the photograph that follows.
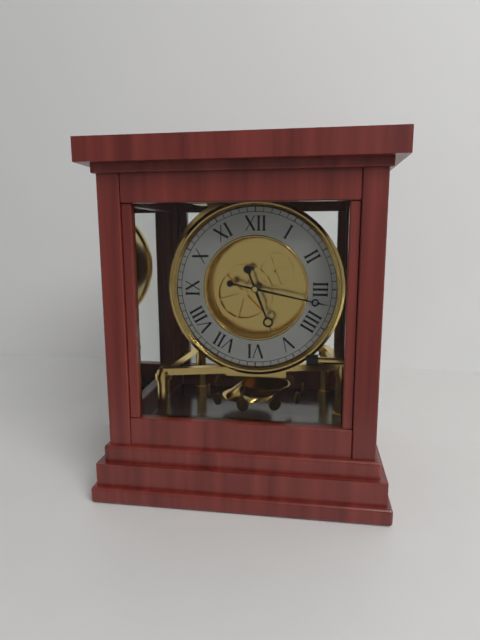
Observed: 5h17
